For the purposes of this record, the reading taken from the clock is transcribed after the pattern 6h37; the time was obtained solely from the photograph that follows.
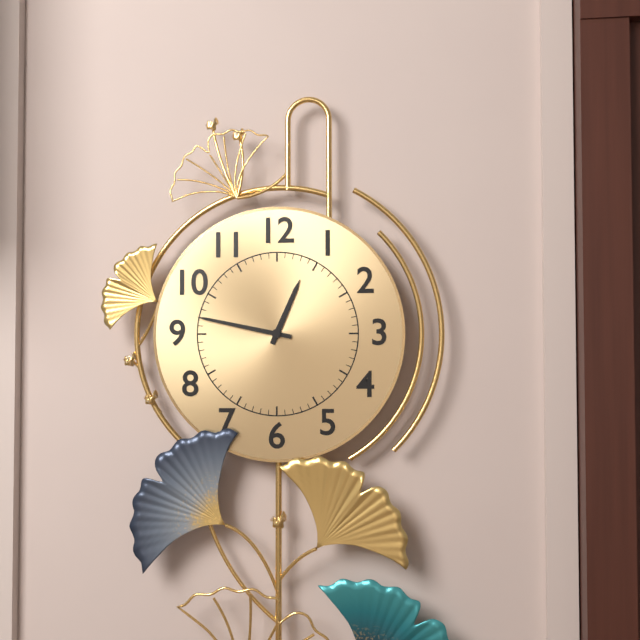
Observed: 12h47
